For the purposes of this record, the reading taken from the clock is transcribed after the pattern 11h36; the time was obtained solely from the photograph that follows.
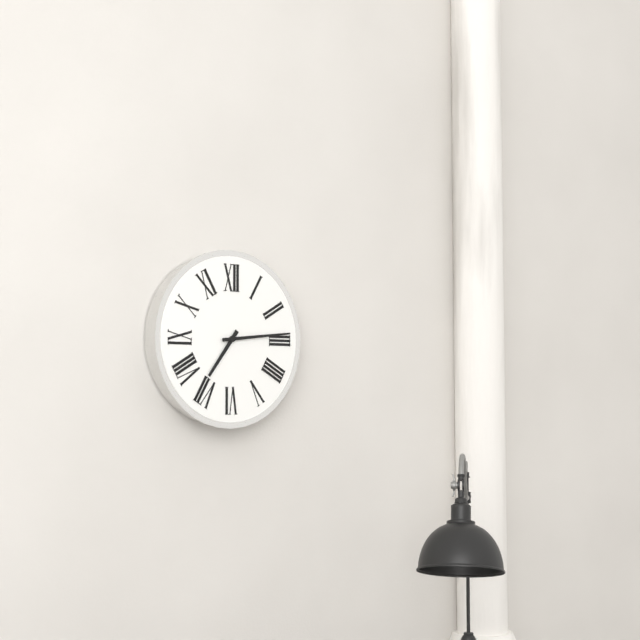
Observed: 7h14
